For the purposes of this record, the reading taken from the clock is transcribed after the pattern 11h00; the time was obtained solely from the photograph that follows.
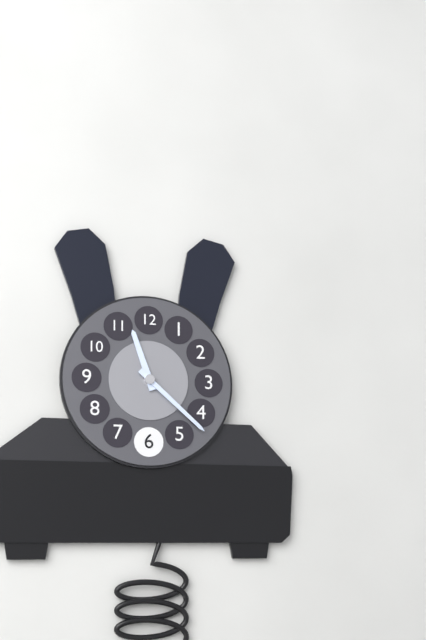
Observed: 11h22
